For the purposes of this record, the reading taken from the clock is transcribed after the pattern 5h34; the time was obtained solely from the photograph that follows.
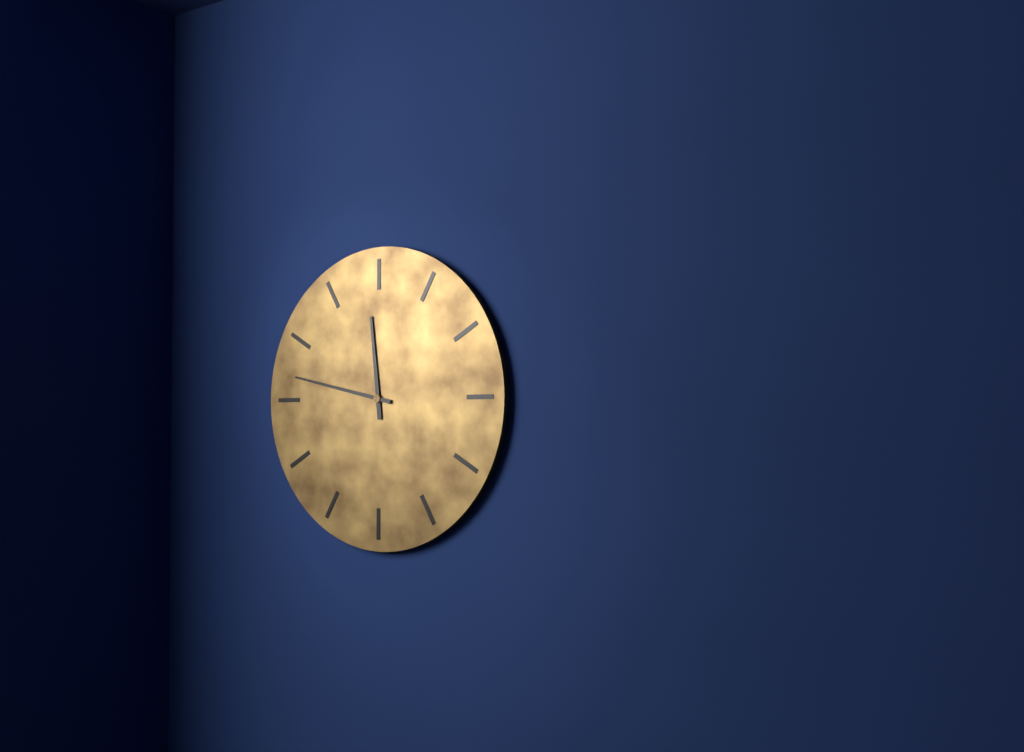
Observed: 11h47
